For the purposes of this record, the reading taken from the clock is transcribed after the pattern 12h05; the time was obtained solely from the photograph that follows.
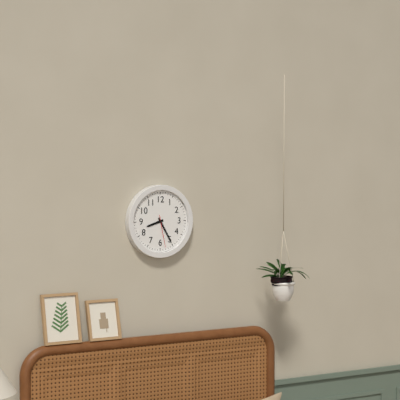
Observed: 8h25
